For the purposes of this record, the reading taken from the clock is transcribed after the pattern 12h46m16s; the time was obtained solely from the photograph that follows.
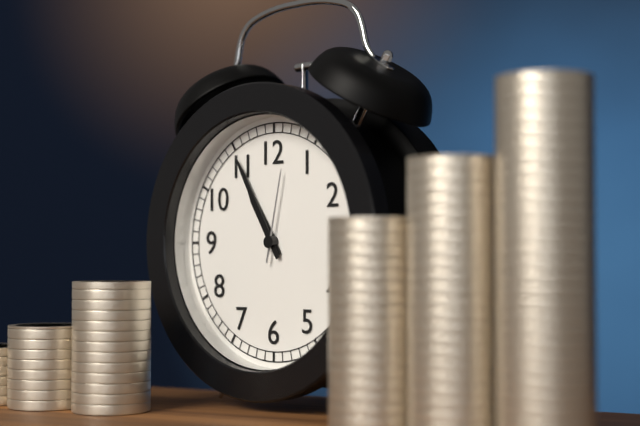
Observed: 10h55m02s
